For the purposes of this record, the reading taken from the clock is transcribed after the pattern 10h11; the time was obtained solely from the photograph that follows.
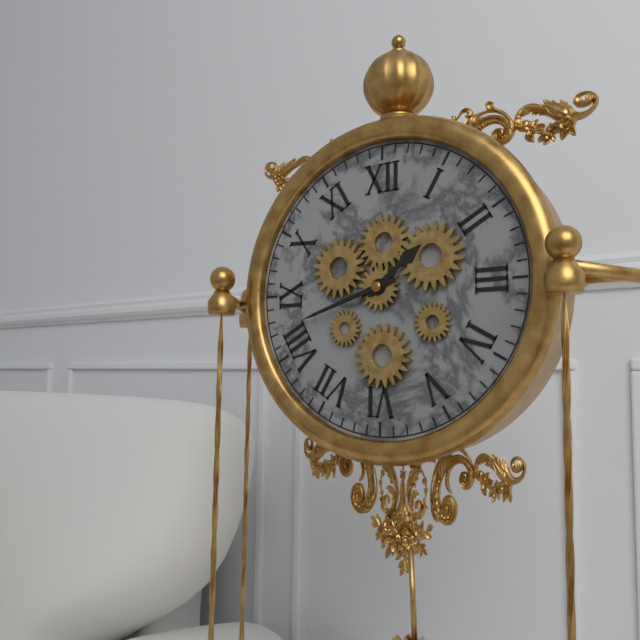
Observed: 1h42
